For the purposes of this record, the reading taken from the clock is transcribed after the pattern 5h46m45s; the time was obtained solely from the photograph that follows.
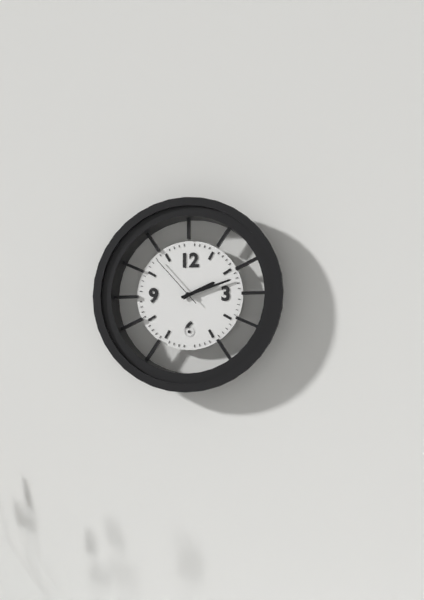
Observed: 2h12m53s
